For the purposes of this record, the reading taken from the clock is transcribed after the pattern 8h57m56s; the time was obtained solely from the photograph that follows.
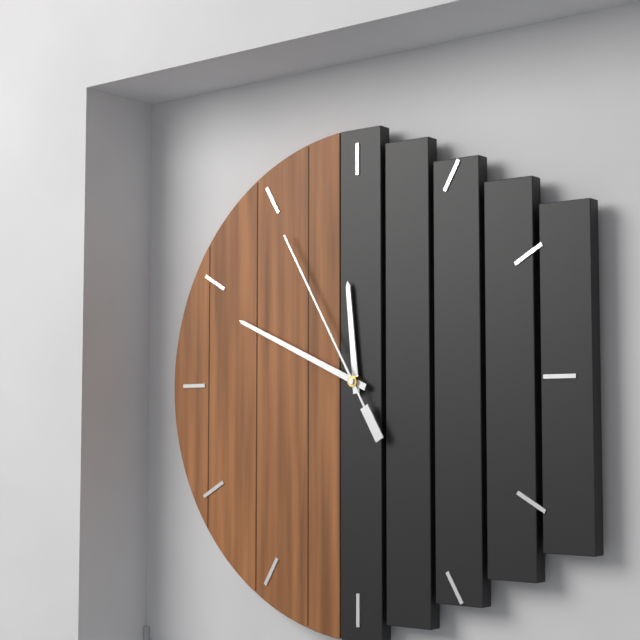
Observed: 11h49m55s
